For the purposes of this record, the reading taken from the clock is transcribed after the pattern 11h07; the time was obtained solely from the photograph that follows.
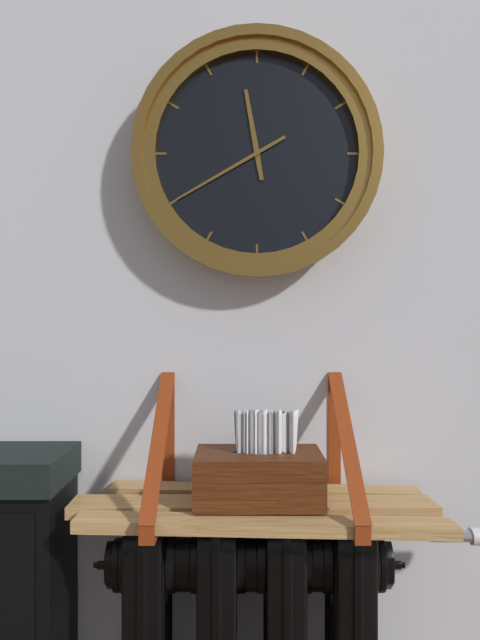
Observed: 11h40
